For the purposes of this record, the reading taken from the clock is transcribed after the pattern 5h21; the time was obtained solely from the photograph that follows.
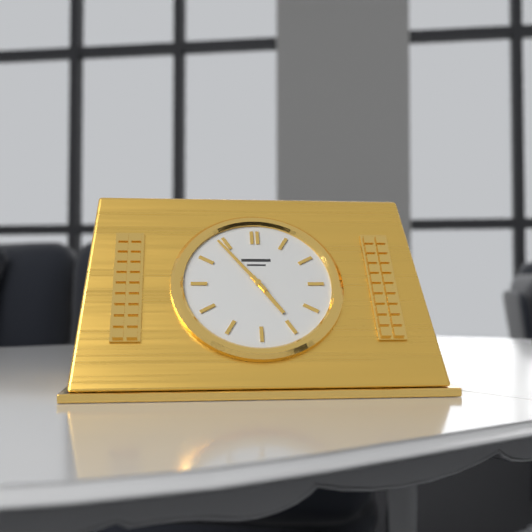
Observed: 4h54
